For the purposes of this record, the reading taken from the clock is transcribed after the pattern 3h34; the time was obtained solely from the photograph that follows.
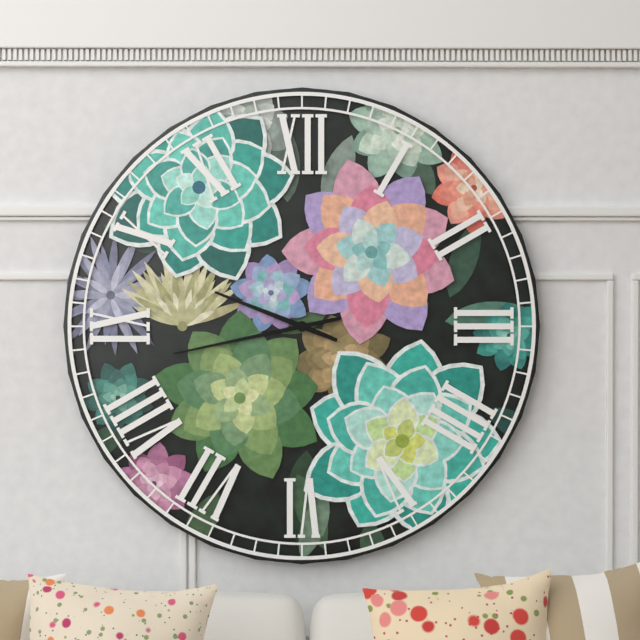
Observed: 9h43
